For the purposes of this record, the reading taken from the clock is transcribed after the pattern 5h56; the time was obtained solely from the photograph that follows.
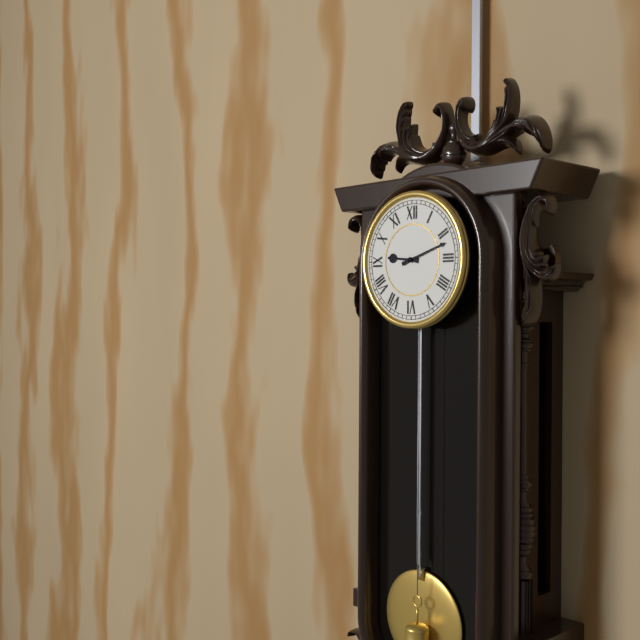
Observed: 9h12
